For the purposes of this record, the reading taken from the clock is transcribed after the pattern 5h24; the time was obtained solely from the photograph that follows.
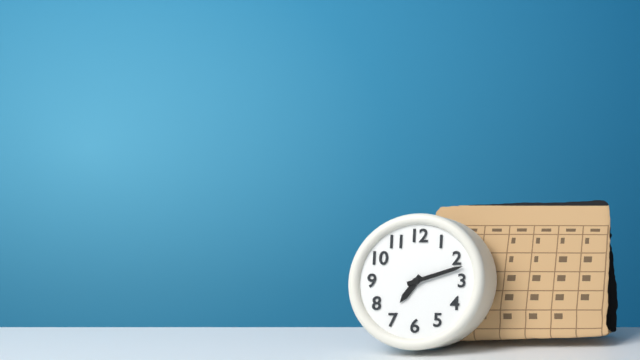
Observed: 7h12
